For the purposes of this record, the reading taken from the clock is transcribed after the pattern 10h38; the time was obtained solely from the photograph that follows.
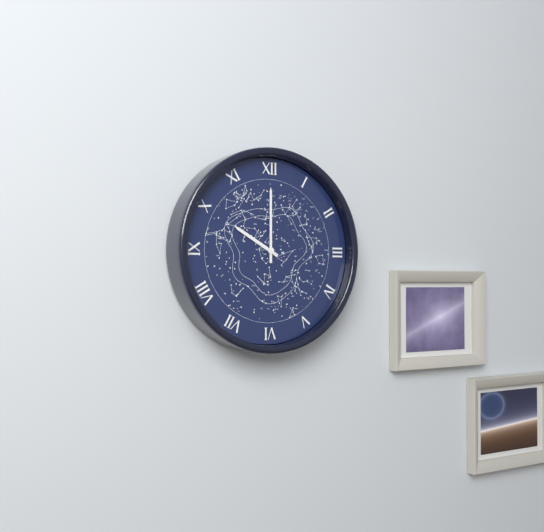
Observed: 10h00
